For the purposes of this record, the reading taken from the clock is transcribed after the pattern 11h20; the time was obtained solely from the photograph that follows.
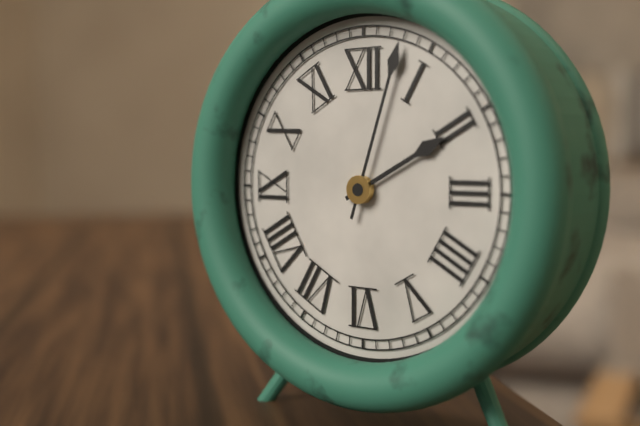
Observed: 2h03
